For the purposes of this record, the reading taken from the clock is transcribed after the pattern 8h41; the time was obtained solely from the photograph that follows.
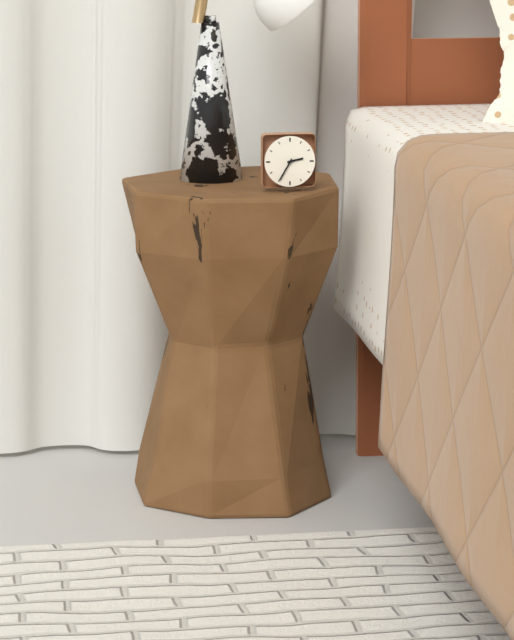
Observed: 2h35
